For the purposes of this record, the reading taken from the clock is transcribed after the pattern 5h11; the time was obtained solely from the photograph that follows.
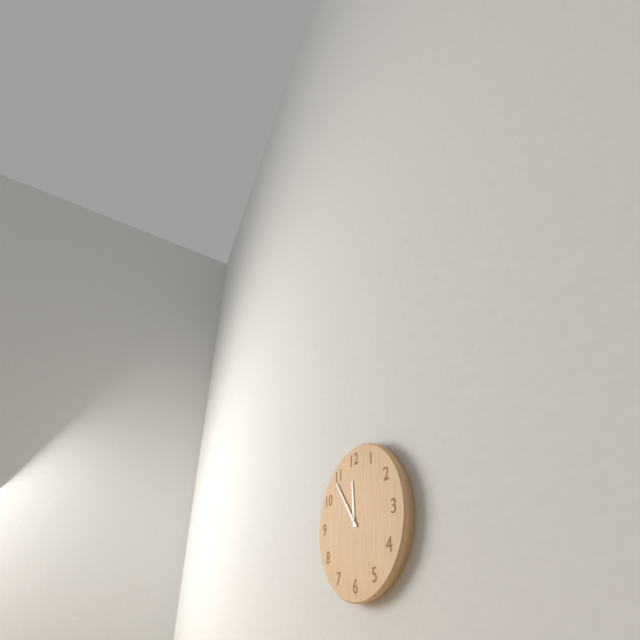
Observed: 11h54
